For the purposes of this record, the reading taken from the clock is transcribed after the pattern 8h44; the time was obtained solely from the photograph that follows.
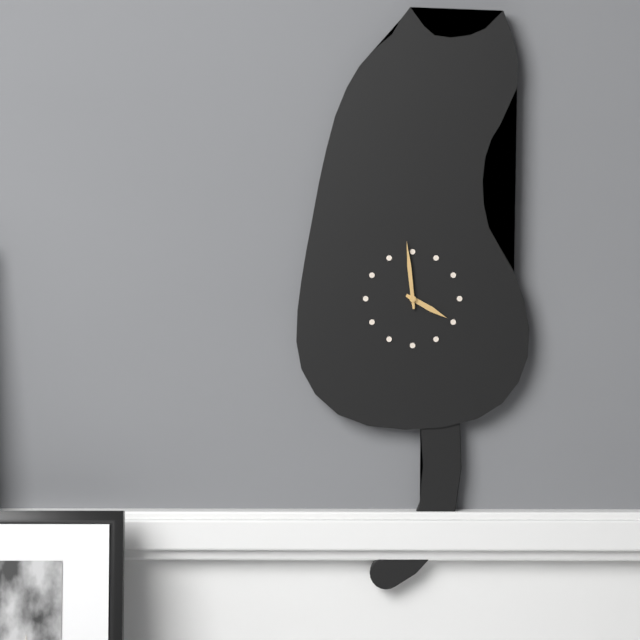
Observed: 3h59
